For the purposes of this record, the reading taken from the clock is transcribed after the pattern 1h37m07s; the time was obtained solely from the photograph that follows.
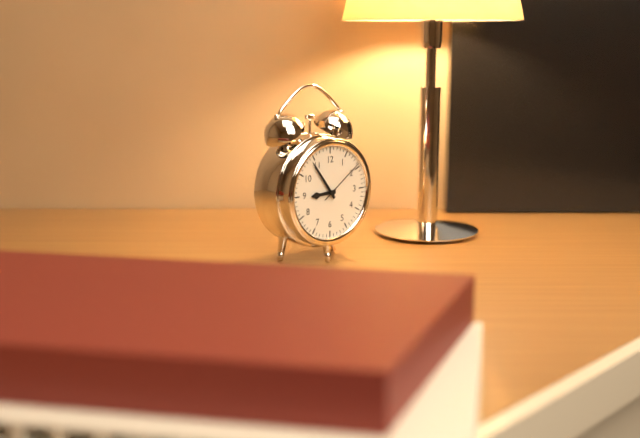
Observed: 8h54m09s
